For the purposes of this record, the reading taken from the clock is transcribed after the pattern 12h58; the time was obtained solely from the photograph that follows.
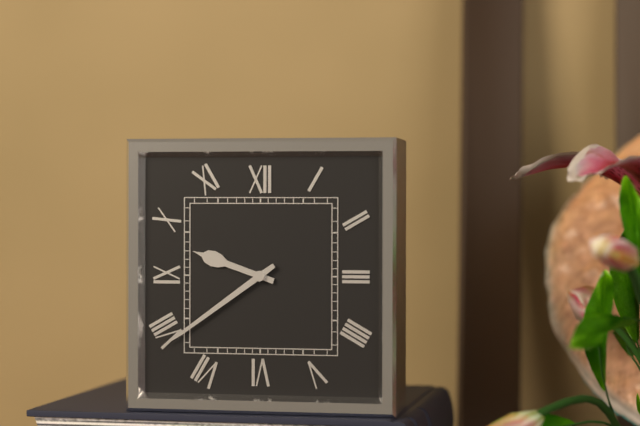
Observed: 9h39
